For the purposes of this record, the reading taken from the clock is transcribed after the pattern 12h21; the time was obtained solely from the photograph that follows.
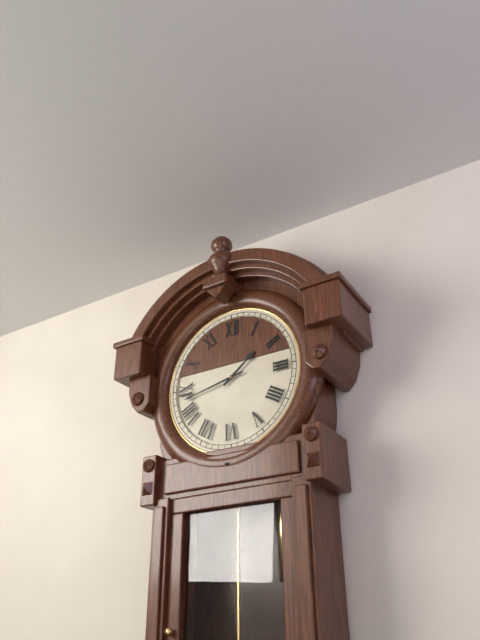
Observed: 1h43
